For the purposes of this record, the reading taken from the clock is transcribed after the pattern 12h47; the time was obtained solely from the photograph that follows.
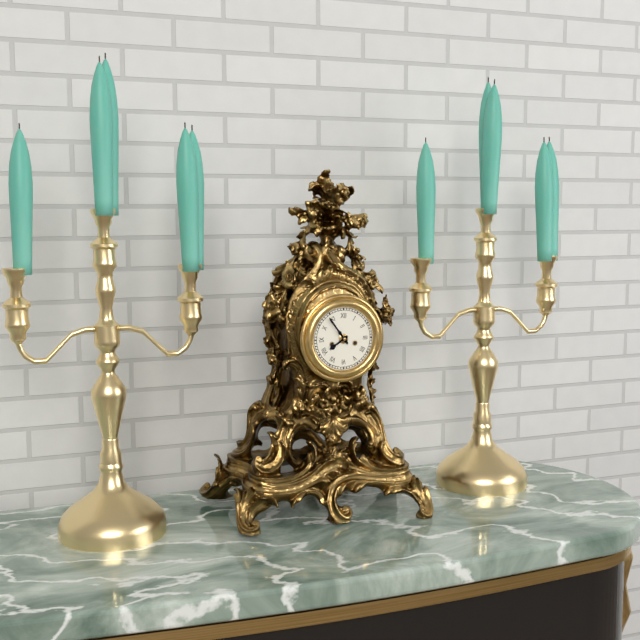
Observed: 7h54
